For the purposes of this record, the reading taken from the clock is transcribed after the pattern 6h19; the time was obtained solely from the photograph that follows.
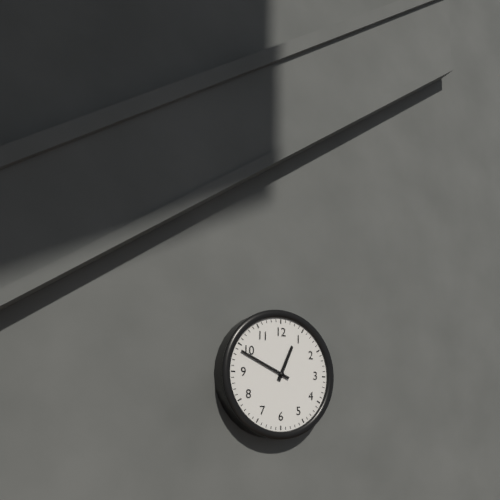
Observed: 12h49
